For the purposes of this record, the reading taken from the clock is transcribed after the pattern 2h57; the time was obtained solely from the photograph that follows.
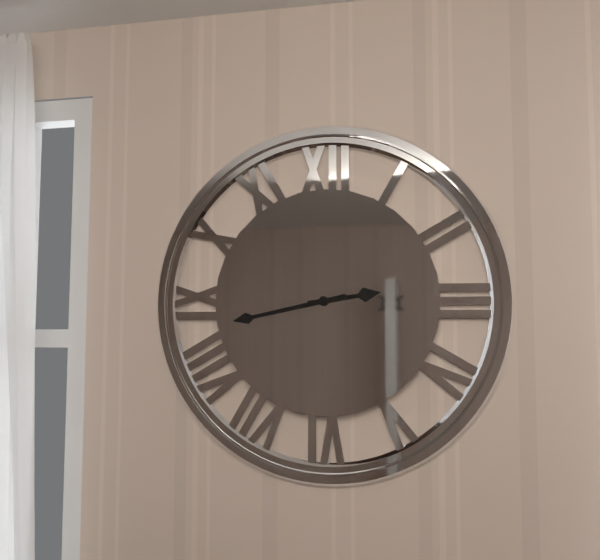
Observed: 2h43
